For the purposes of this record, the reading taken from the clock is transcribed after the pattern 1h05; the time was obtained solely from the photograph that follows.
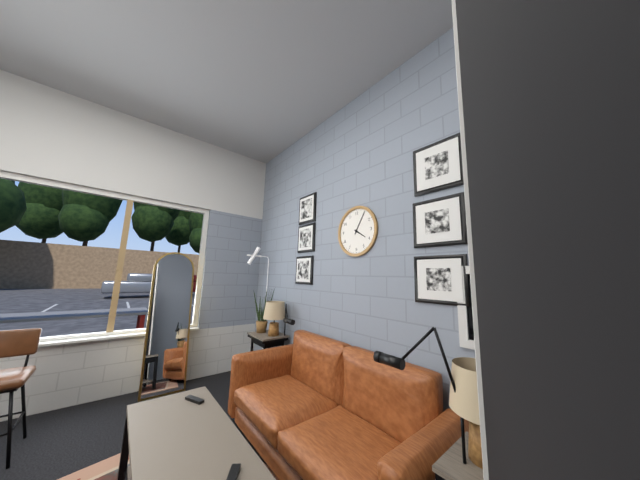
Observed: 4h05
